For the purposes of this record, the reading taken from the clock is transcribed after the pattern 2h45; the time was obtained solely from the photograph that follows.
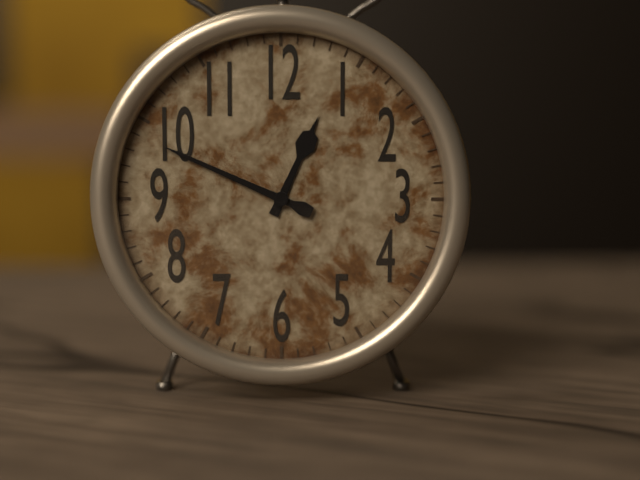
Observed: 12h49
